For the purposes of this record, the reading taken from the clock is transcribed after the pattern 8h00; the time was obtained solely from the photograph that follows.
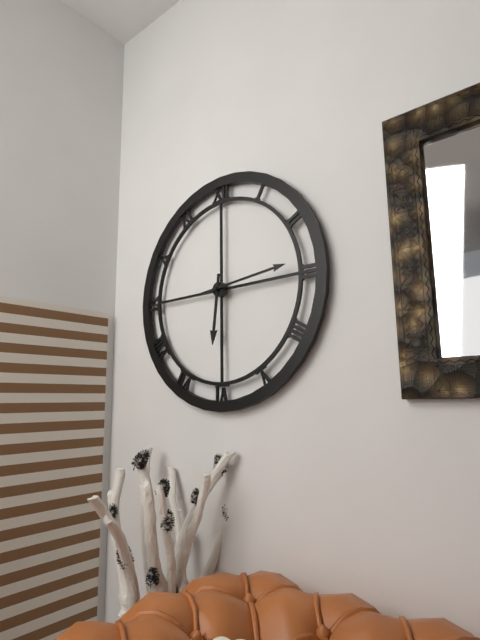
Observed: 6h14
